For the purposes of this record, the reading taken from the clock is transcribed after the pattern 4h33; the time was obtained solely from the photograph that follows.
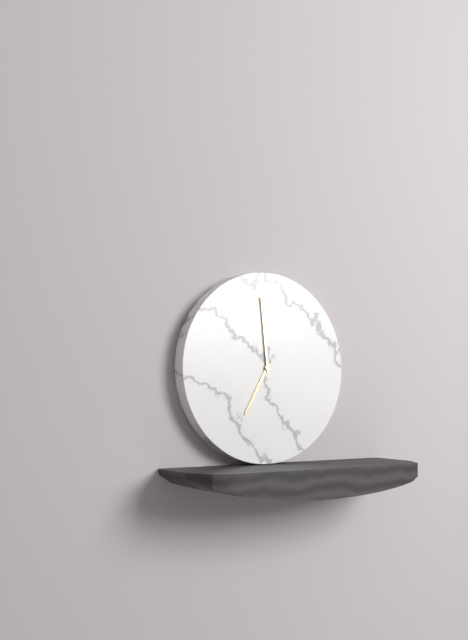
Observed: 6h59
